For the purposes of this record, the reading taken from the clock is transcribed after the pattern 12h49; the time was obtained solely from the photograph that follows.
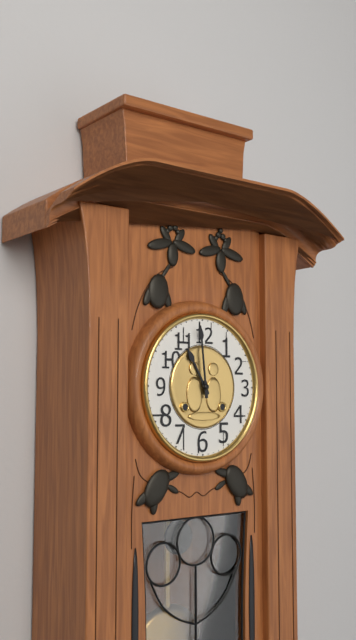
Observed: 10h59
